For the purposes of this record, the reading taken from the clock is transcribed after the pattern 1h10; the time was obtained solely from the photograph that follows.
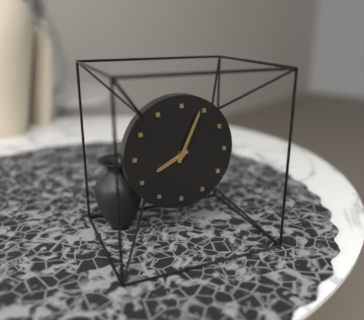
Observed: 8h04
